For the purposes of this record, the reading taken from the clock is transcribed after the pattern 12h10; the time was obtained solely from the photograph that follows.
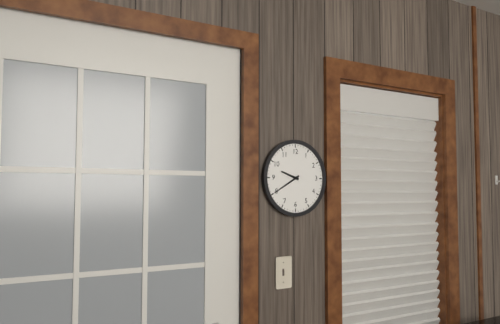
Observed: 9h40
